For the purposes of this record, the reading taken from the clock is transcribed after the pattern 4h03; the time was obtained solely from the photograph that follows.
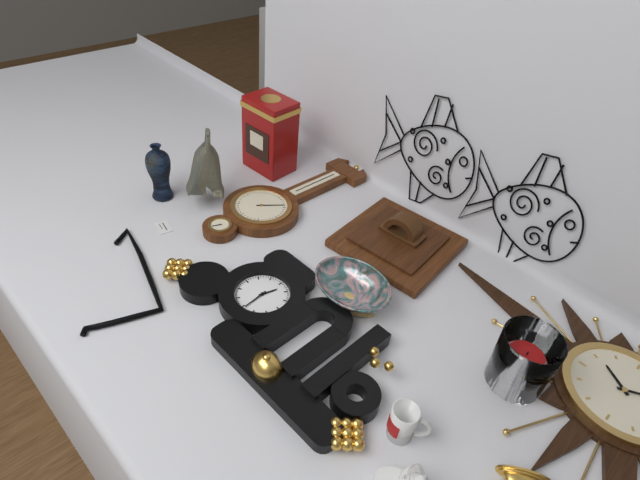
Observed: 12h29
